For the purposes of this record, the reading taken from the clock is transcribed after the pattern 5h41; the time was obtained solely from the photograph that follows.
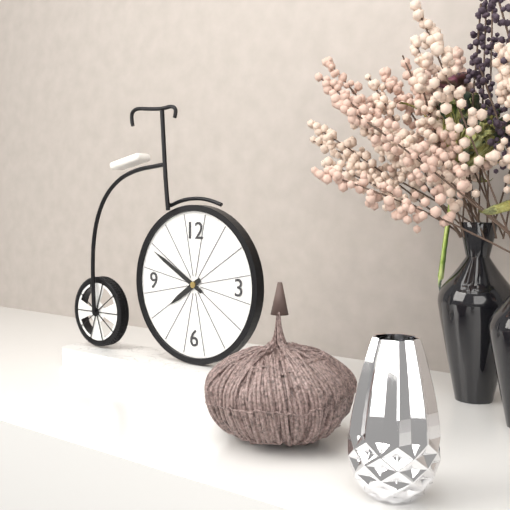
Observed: 7h50
